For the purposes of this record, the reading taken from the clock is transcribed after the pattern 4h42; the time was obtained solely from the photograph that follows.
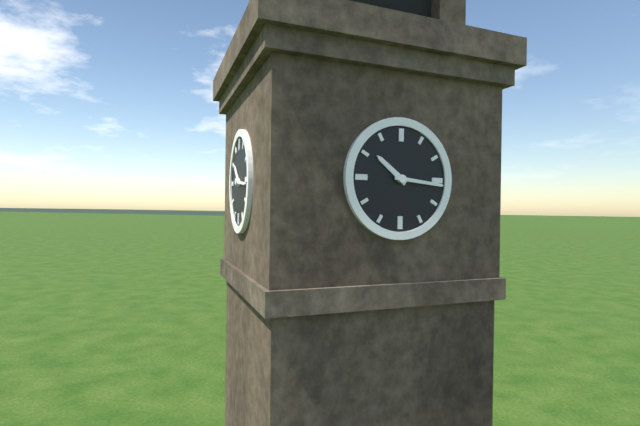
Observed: 10h16
